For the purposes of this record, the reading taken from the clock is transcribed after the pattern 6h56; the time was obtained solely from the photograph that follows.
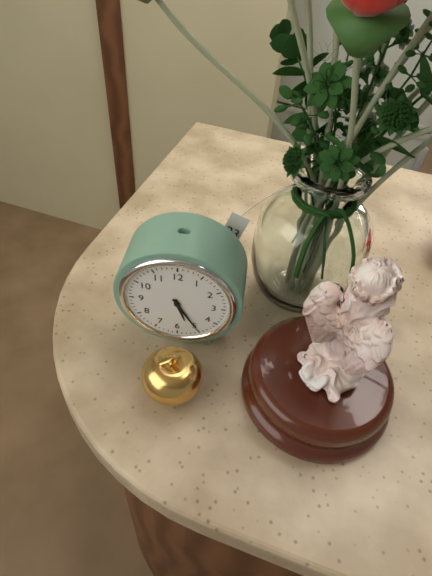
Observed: 5h25
